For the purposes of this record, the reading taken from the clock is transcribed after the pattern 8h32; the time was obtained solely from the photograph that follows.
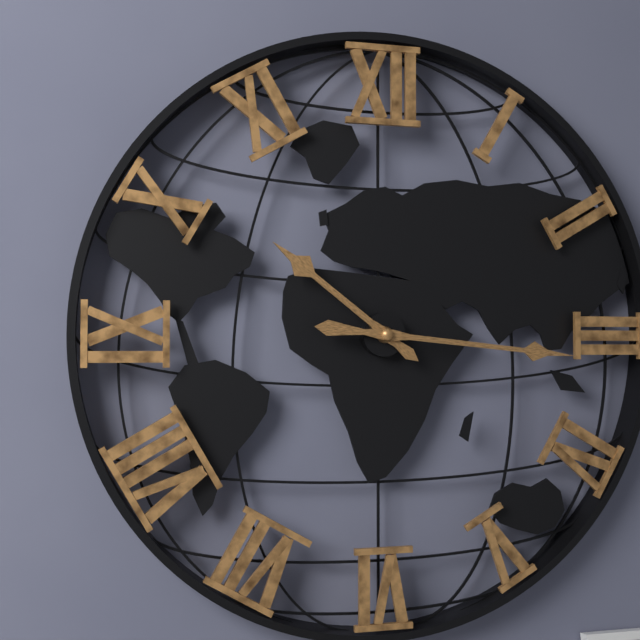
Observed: 10h16
